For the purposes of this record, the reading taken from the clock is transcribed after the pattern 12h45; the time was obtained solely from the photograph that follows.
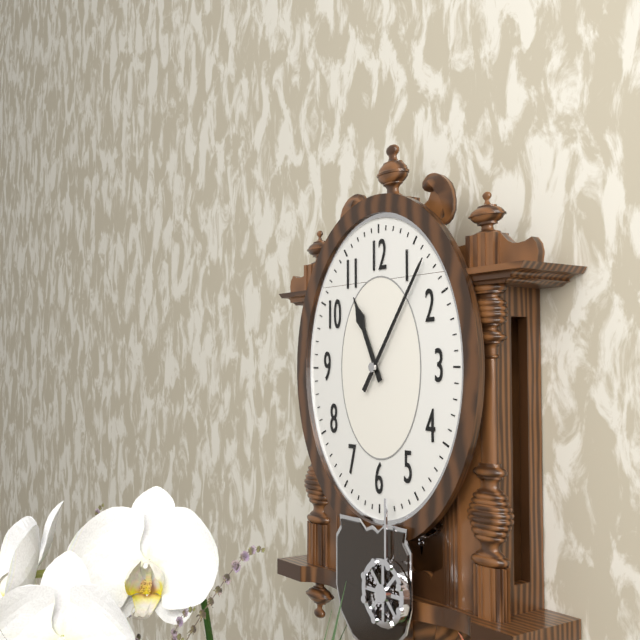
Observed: 11h06
